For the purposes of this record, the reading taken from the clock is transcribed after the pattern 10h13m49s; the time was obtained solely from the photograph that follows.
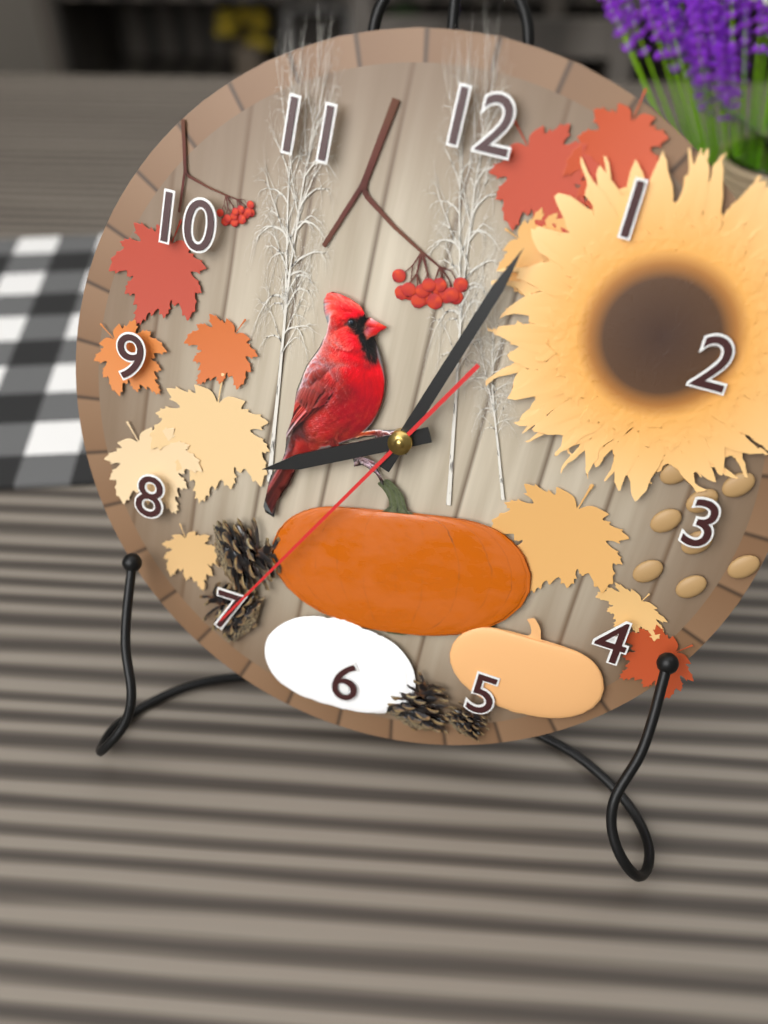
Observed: 8h03m35s
